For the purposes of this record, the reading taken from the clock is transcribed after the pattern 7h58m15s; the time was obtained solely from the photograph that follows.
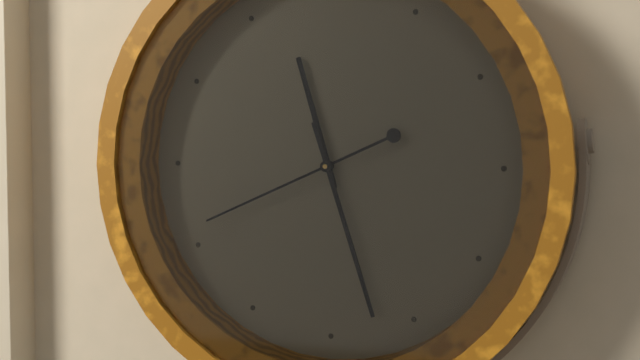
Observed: 11h27m41s
